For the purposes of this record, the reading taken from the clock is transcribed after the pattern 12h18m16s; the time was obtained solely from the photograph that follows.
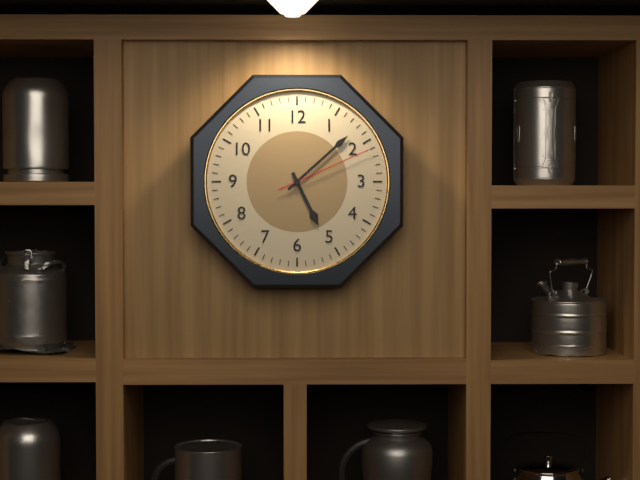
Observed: 5h08m11s
